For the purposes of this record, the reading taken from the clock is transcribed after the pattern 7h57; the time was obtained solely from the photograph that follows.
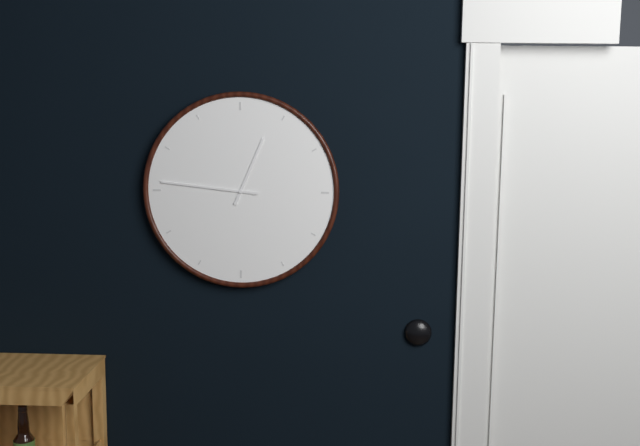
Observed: 12h46
